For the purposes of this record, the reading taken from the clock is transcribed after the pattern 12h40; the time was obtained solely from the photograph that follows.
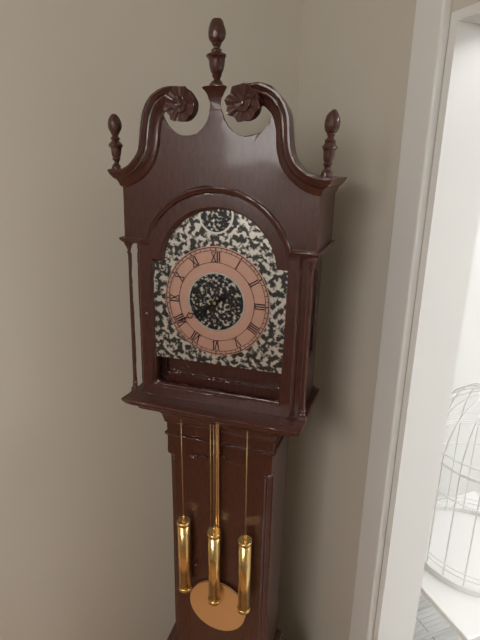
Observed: 7h40
